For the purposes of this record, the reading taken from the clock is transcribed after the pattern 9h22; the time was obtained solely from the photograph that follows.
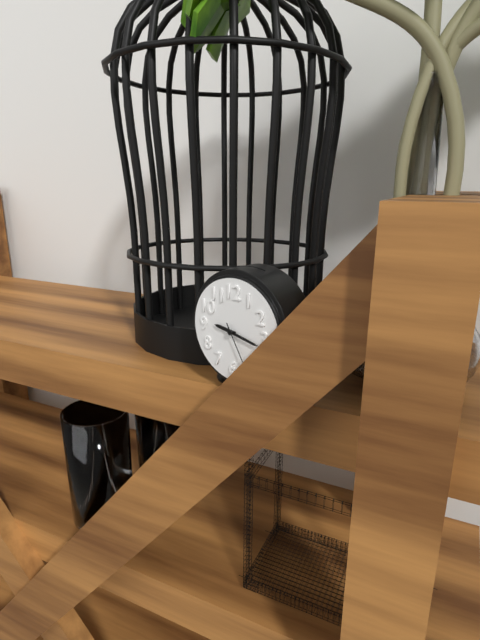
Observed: 9h17
